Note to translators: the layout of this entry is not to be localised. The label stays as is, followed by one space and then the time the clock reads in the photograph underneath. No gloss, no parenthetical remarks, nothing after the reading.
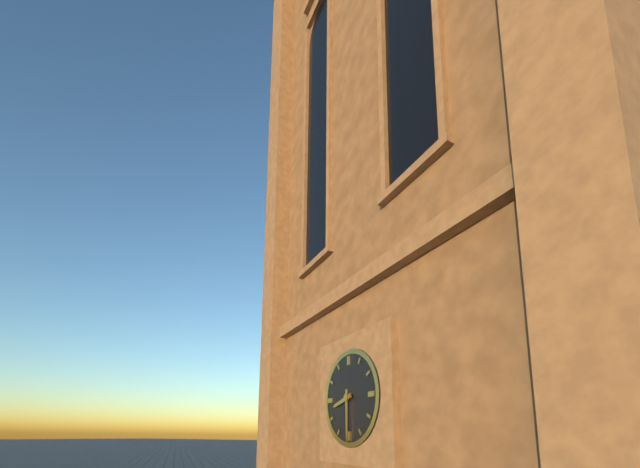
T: 8:30
